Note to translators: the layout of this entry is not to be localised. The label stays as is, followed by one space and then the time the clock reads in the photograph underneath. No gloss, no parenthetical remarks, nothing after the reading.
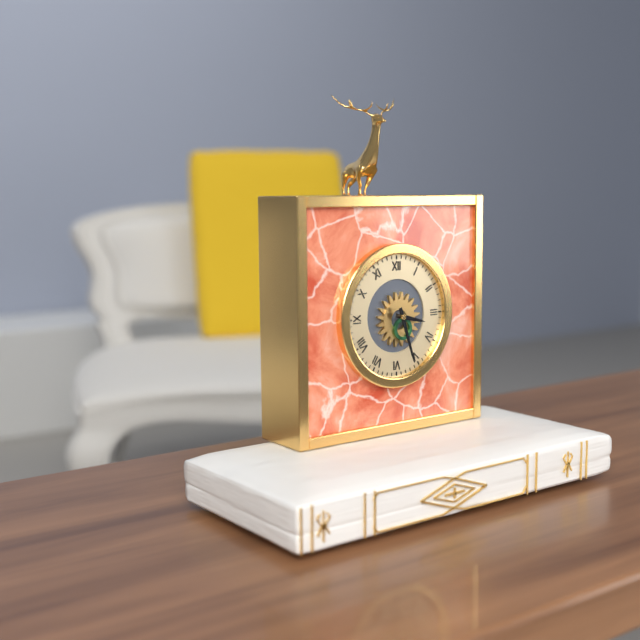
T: 3:27
